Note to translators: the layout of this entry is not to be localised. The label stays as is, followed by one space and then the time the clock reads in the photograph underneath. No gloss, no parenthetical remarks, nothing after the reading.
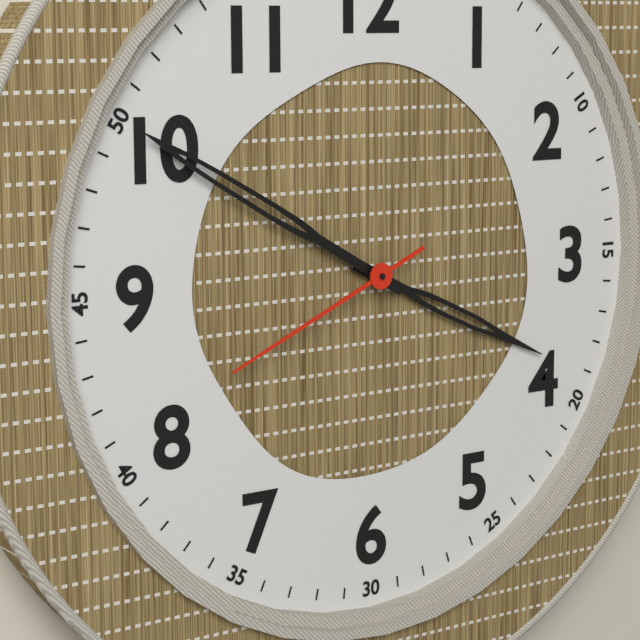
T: 3:50:41
